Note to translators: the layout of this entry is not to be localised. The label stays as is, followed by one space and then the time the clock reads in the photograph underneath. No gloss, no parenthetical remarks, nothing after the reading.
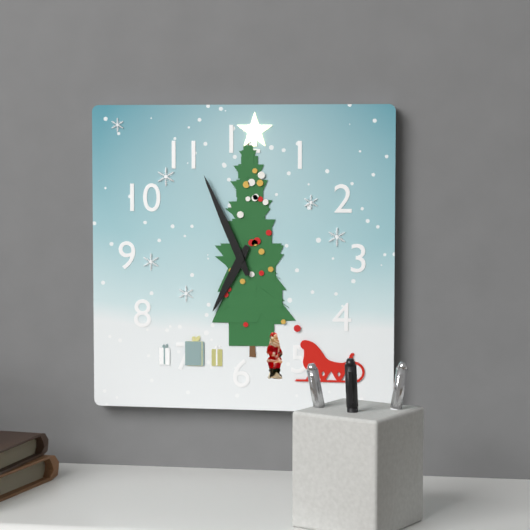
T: 6:56
